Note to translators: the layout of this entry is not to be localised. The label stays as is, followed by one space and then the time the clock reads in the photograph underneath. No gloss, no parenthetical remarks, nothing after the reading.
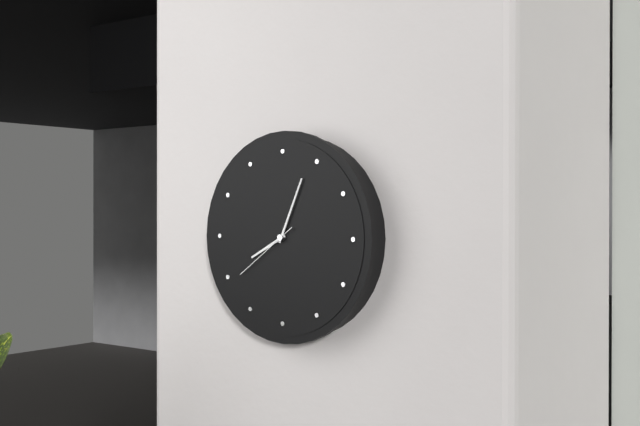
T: 8:04:39
